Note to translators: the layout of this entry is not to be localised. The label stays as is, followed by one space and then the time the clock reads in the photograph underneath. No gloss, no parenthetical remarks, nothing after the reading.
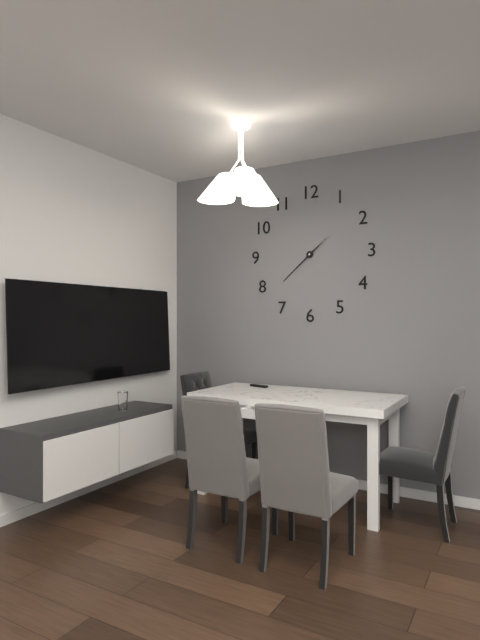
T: 1:38
